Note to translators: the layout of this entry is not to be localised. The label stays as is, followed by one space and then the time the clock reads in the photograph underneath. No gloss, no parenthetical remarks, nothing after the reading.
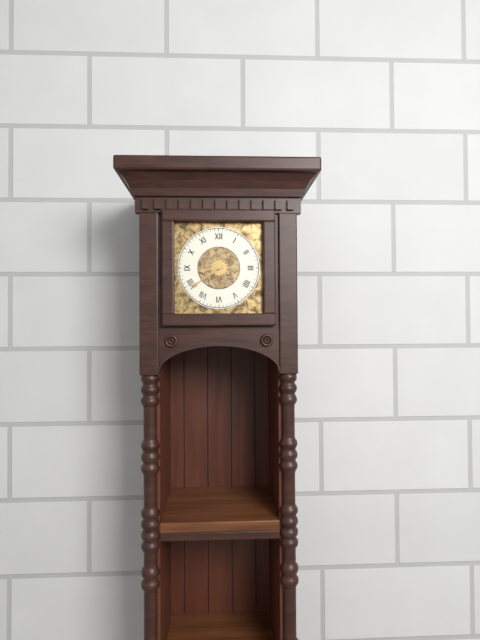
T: 8:39
